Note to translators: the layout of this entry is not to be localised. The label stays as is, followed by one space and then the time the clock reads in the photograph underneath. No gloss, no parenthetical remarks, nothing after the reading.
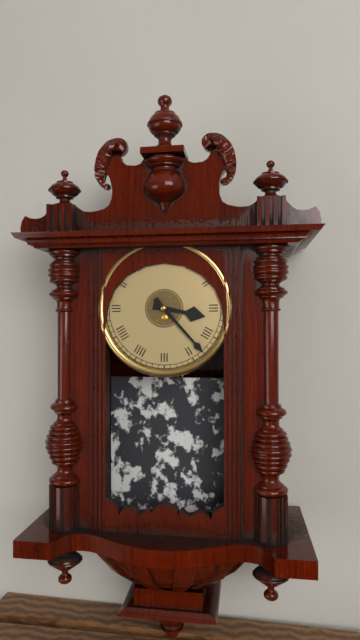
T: 3:23
